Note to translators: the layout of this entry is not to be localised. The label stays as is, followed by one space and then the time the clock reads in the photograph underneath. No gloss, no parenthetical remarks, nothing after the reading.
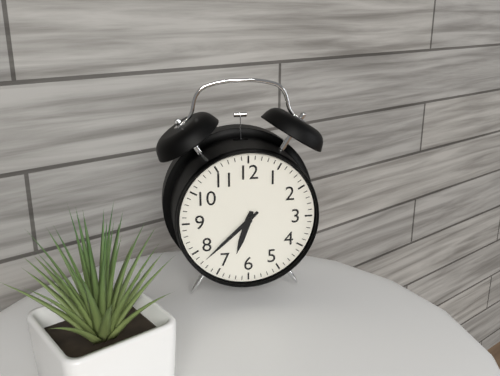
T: 6:38
